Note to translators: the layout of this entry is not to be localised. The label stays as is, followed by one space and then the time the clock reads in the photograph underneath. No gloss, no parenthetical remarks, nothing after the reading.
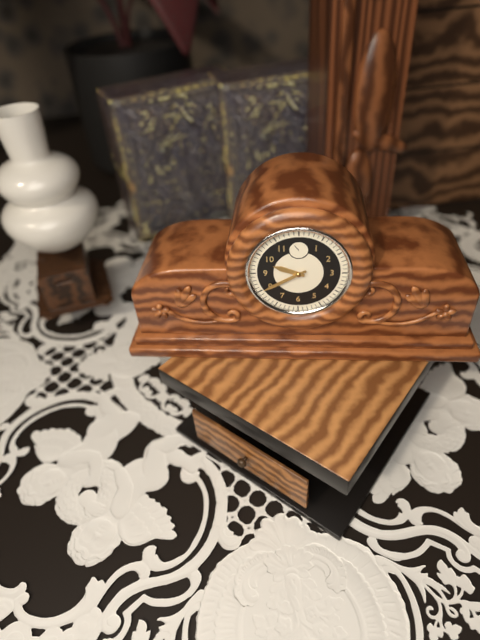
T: 9:40
